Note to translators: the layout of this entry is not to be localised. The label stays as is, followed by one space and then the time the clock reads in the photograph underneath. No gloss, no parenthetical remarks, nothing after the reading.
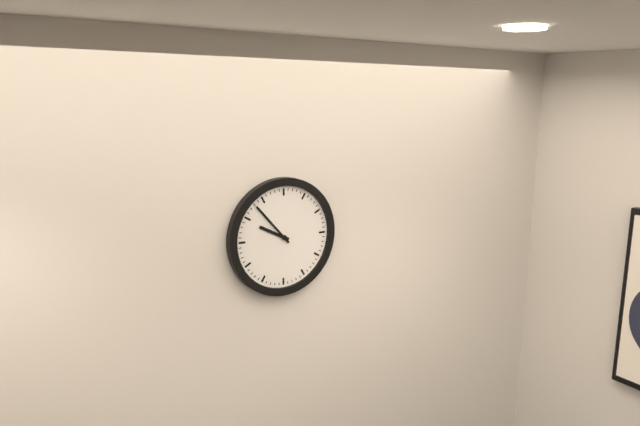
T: 9:53
